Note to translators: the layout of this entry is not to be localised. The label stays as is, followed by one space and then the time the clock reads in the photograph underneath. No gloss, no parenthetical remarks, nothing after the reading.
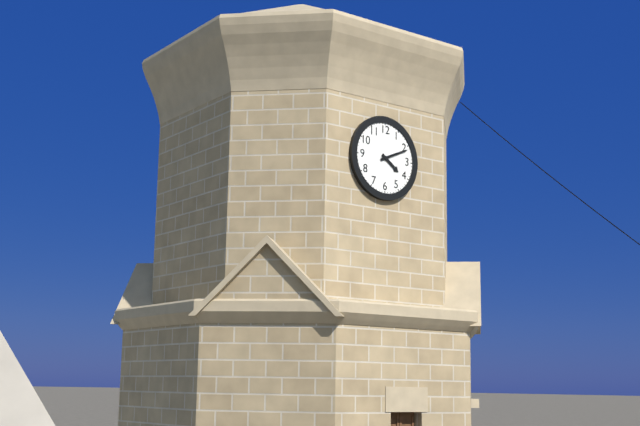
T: 4:11
